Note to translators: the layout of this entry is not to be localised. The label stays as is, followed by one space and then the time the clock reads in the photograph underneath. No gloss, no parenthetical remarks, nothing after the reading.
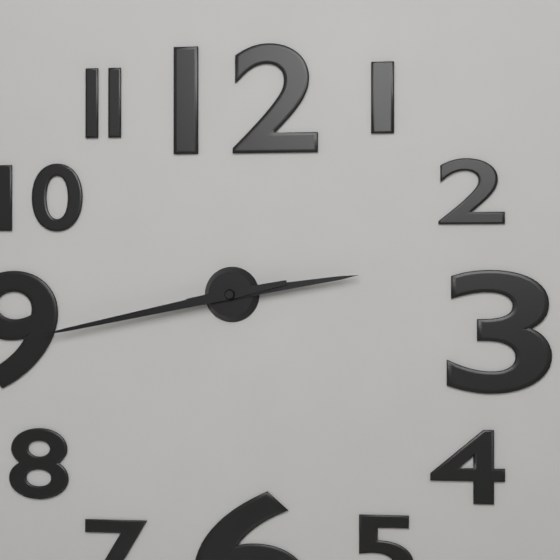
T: 2:43
